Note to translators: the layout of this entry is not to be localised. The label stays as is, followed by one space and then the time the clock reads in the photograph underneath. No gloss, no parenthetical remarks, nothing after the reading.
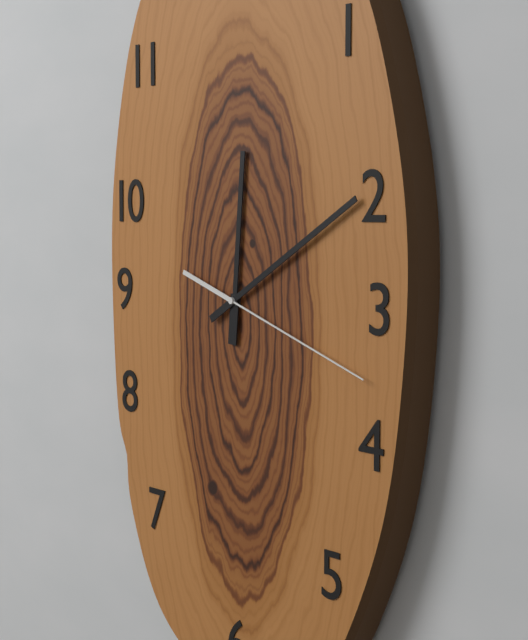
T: 12:10:18
